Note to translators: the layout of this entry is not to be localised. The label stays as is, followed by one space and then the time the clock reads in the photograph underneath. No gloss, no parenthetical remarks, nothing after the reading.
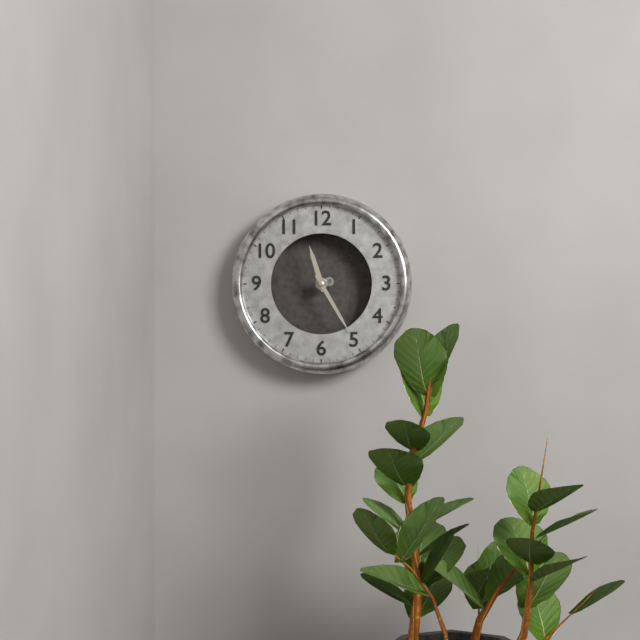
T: 11:25
